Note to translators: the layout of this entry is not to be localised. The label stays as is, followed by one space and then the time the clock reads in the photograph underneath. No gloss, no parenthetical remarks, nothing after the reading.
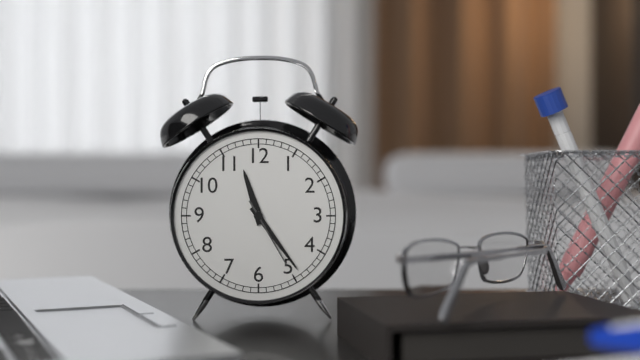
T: 11:24:25
